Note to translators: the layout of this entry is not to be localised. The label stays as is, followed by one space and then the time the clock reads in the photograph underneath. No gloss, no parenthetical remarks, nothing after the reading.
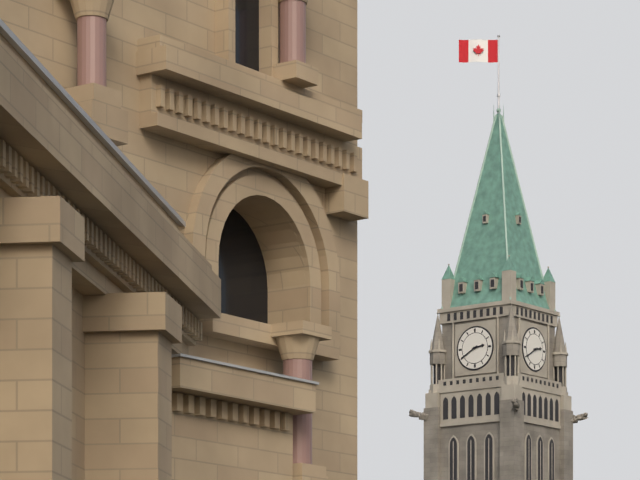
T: 2:40
